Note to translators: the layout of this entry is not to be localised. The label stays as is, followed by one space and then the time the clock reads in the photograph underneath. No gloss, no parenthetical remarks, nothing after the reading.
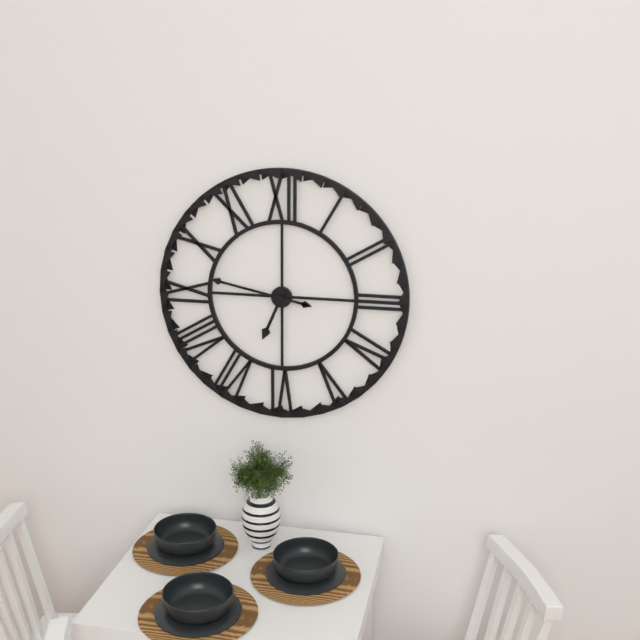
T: 6:47
